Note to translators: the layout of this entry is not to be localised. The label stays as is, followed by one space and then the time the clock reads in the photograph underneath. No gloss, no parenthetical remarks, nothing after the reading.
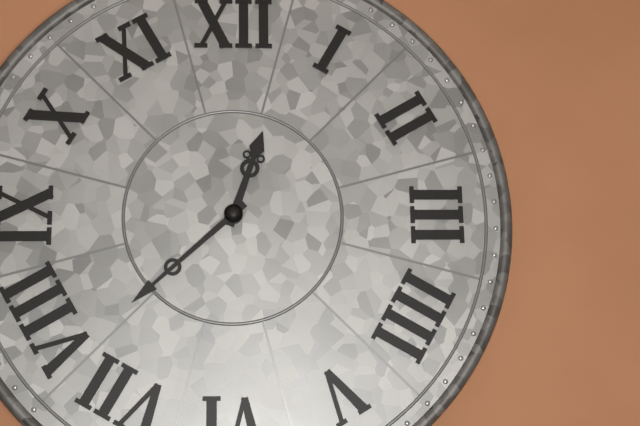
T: 12:38
